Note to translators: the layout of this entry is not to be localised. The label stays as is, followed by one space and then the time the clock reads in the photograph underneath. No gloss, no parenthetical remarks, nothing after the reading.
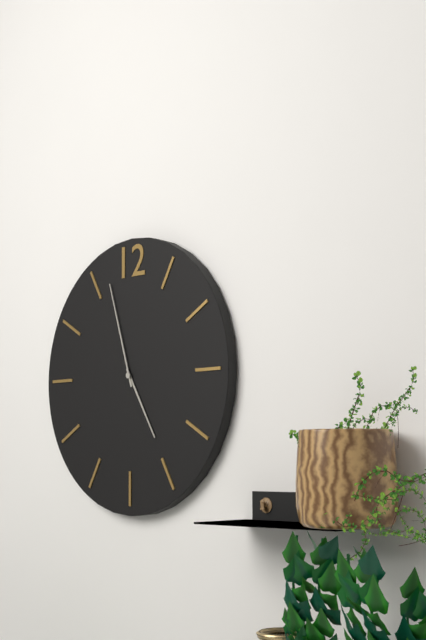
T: 4:57
